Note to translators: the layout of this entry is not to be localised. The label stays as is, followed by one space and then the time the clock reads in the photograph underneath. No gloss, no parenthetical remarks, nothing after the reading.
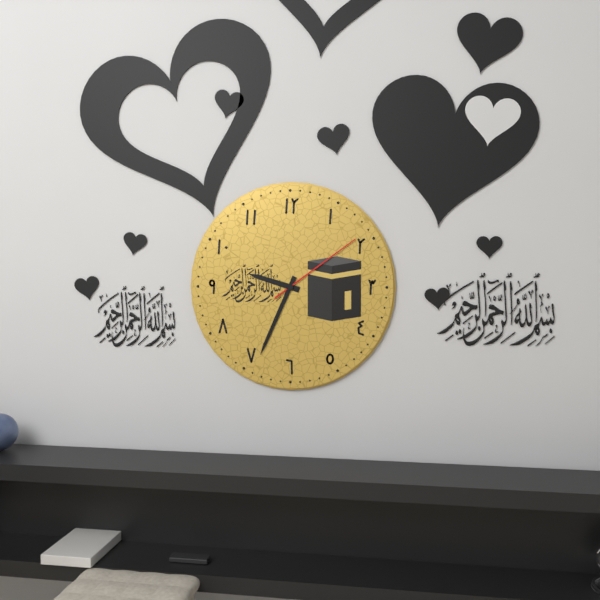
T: 9:34:09
